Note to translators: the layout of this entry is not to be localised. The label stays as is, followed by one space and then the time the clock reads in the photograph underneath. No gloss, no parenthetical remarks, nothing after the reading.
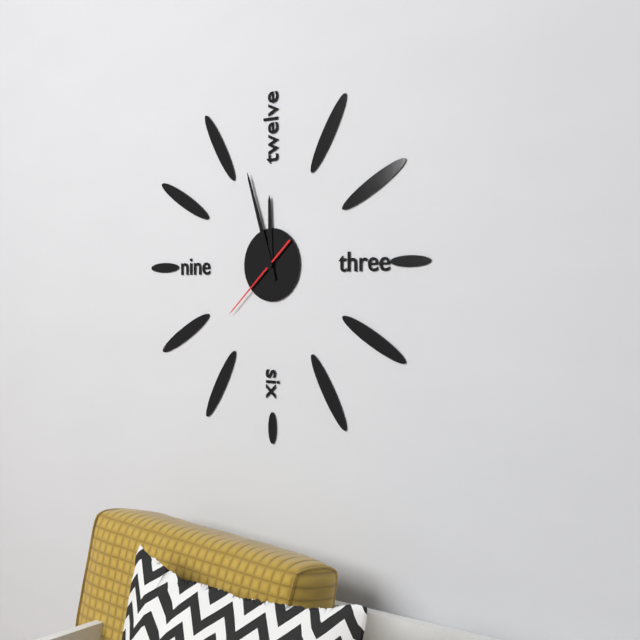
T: 11:57:38
